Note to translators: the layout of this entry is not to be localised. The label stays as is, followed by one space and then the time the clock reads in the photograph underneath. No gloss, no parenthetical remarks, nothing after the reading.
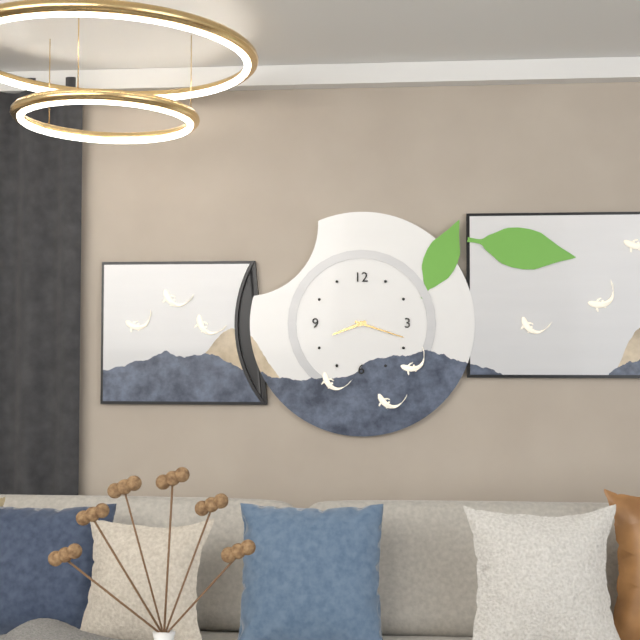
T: 8:18
